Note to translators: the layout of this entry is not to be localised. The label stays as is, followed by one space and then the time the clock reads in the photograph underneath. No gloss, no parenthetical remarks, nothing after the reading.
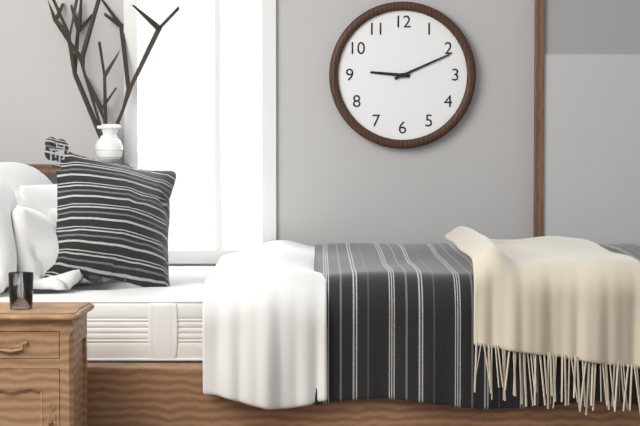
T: 9:11
